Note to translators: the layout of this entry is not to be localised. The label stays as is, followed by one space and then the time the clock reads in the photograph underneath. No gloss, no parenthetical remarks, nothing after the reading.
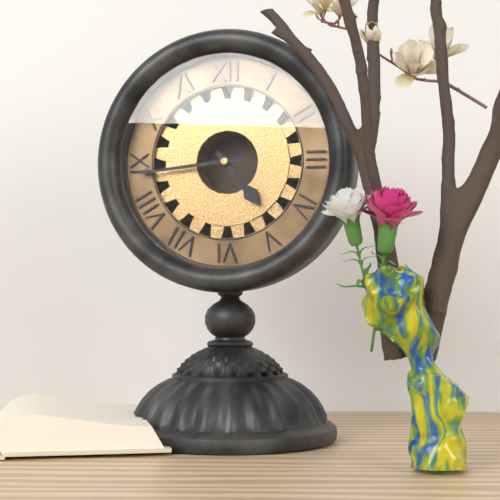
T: 4:44
